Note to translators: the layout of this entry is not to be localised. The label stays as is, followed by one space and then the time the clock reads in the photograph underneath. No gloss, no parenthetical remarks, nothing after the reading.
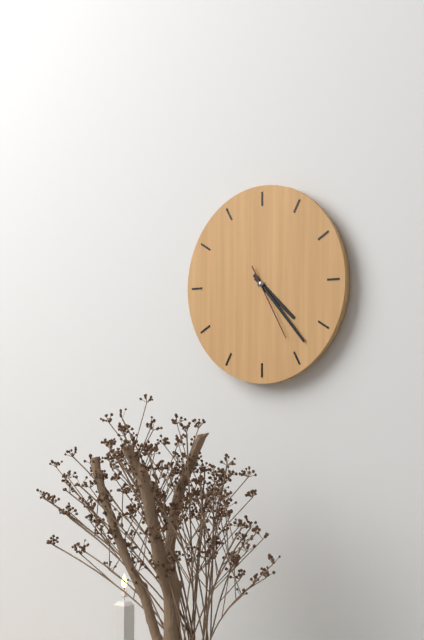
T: 4:23:25
